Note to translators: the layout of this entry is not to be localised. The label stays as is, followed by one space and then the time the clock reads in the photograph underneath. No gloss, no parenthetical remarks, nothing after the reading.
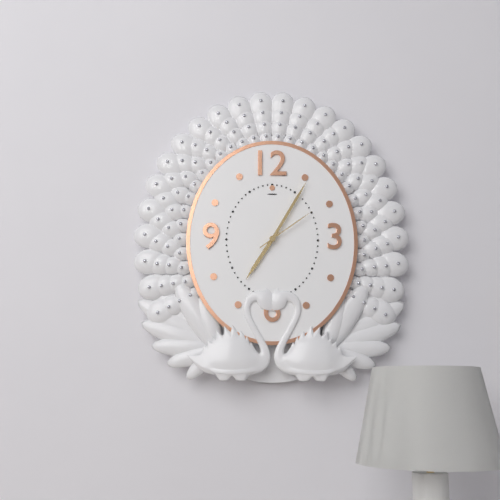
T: 7:05:09
